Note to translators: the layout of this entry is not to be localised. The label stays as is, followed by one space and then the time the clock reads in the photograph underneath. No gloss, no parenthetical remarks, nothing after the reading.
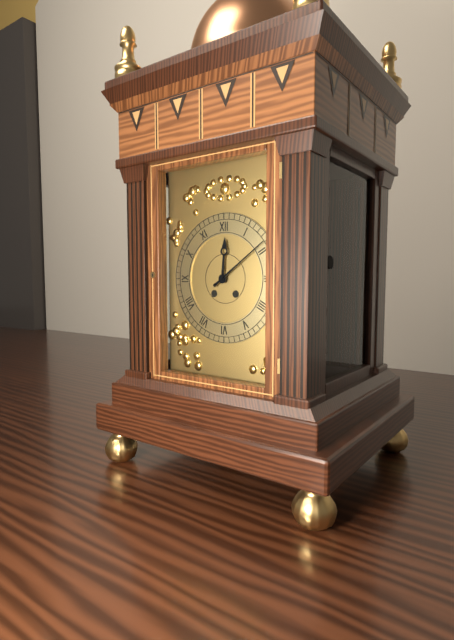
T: 12:09
